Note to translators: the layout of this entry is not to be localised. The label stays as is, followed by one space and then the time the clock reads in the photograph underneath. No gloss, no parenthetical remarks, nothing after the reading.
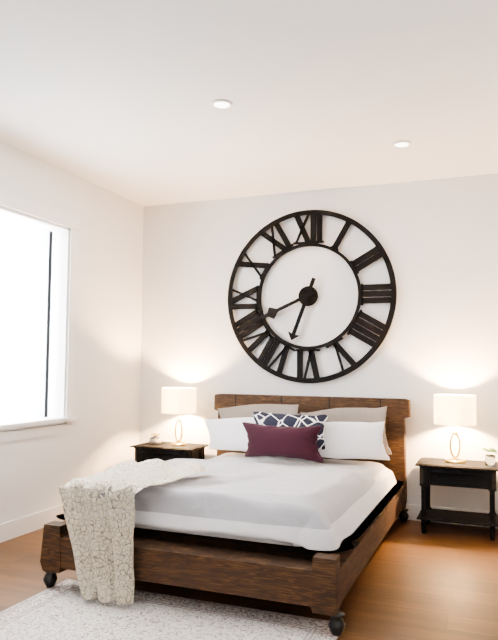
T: 6:41
